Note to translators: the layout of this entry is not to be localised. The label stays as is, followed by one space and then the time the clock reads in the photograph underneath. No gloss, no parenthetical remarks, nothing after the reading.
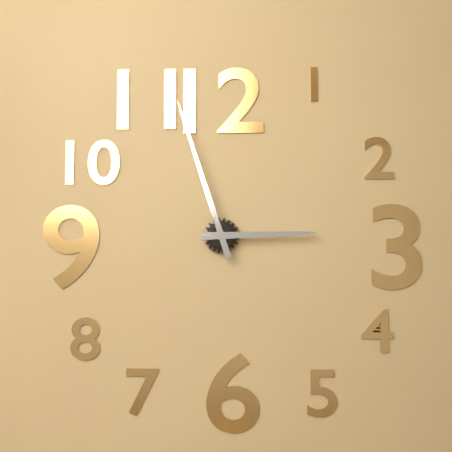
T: 2:57
